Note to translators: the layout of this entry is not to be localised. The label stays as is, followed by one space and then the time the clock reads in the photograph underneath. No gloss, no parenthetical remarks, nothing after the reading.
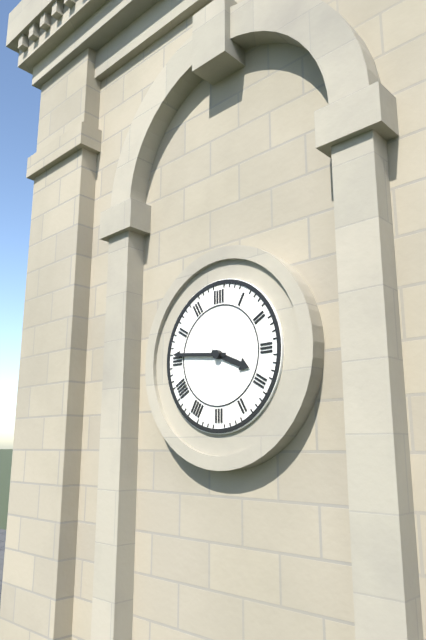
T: 3:46
